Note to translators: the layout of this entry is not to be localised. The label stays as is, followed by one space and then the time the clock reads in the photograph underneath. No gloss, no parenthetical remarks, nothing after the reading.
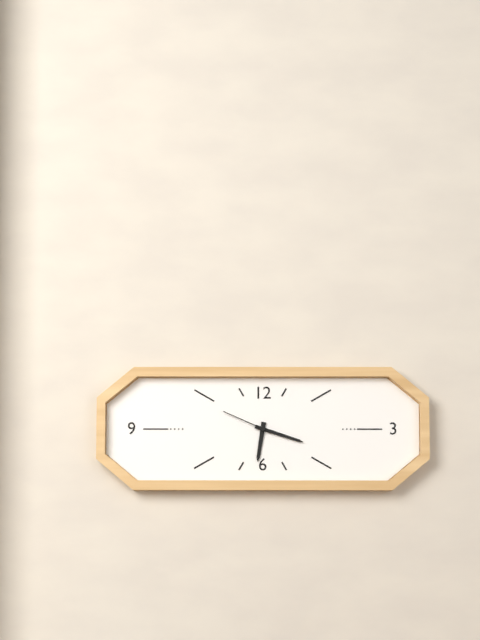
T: 6:18:49
